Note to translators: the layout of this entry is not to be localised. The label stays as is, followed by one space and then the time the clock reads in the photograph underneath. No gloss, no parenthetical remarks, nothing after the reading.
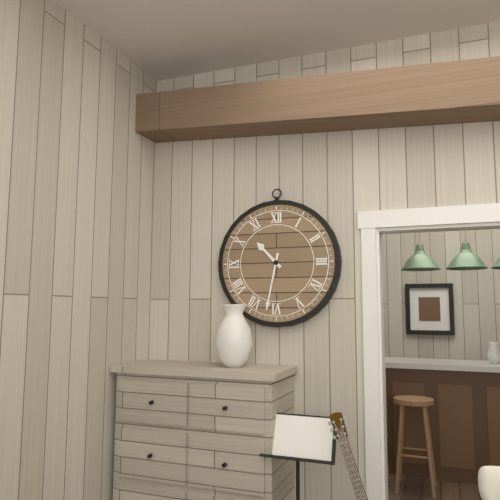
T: 10:32
